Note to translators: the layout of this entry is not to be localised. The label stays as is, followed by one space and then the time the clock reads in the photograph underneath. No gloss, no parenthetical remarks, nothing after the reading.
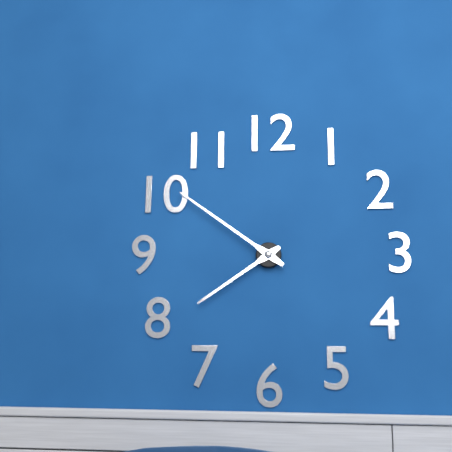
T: 7:51
